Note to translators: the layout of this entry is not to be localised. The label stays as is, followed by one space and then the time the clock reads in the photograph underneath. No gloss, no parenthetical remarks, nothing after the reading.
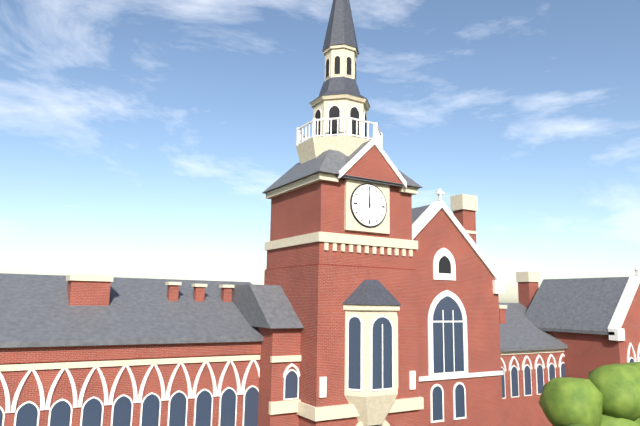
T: 12:00
